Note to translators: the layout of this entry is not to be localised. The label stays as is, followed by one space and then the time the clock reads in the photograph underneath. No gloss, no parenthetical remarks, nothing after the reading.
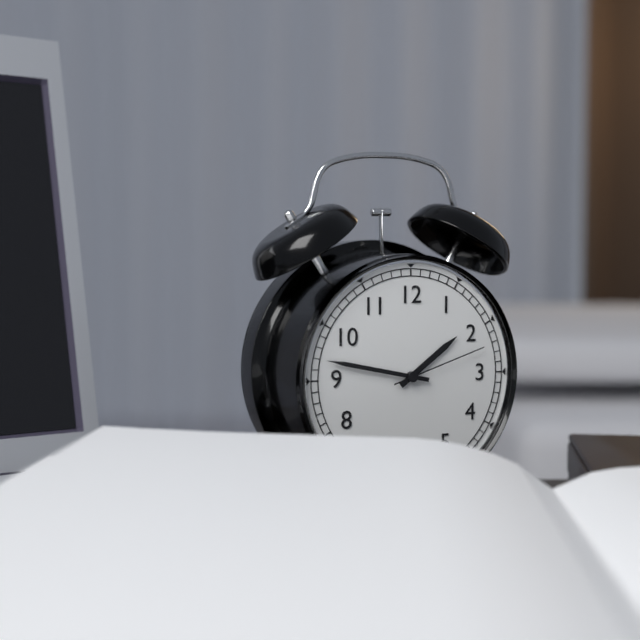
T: 1:47:12
